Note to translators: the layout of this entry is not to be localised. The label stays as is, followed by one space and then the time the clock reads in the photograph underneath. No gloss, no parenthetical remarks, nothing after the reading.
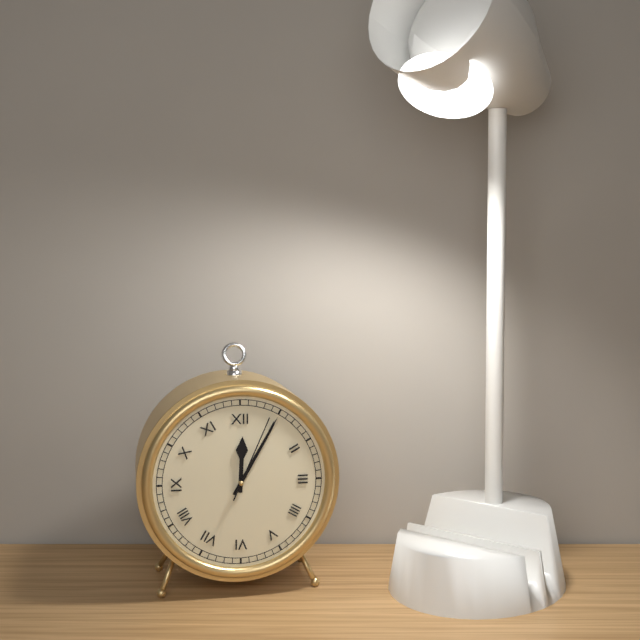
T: 12:05:04
